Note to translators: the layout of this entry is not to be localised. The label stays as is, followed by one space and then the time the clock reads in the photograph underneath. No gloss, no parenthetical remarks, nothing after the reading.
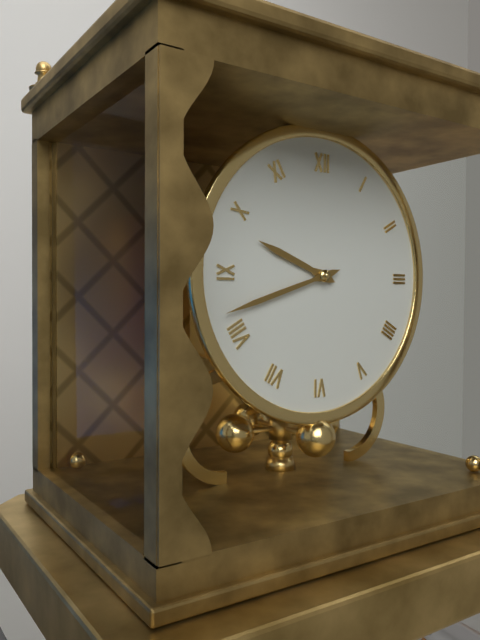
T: 9:42
